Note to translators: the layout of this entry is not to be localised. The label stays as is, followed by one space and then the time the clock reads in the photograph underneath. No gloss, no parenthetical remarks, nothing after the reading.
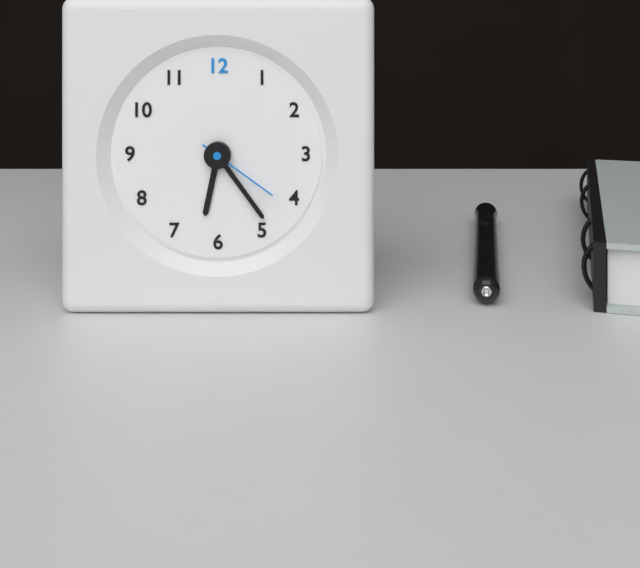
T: 6:24:21
